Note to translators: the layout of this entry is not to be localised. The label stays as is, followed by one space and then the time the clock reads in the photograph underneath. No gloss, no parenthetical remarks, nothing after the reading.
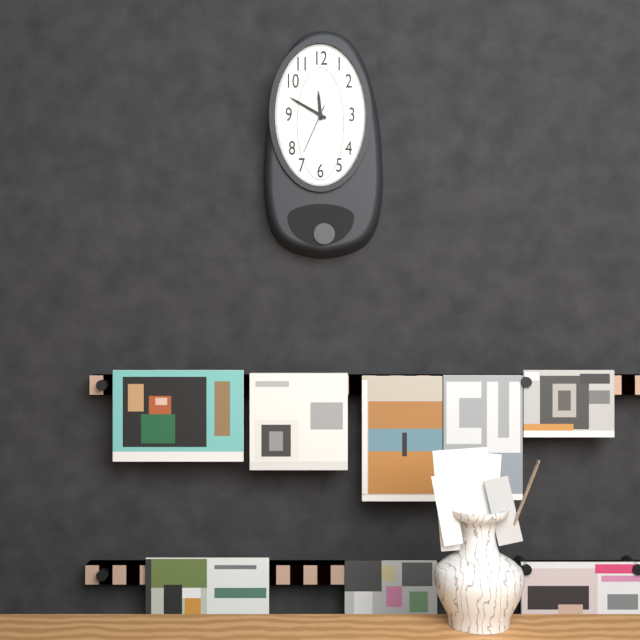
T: 11:50:34
